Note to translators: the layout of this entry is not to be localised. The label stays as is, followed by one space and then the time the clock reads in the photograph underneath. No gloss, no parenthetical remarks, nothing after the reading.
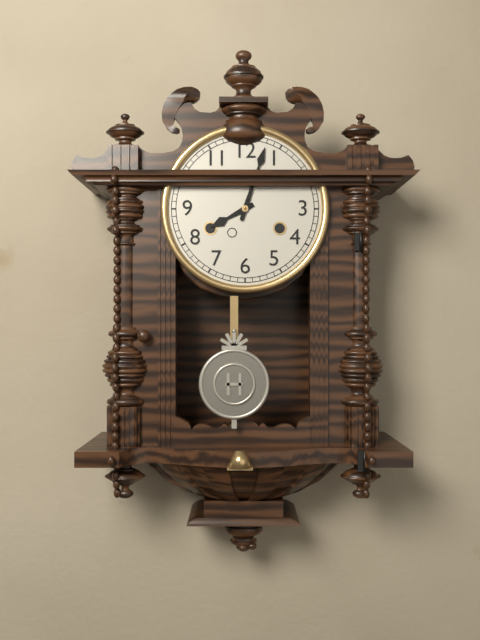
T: 8:03
